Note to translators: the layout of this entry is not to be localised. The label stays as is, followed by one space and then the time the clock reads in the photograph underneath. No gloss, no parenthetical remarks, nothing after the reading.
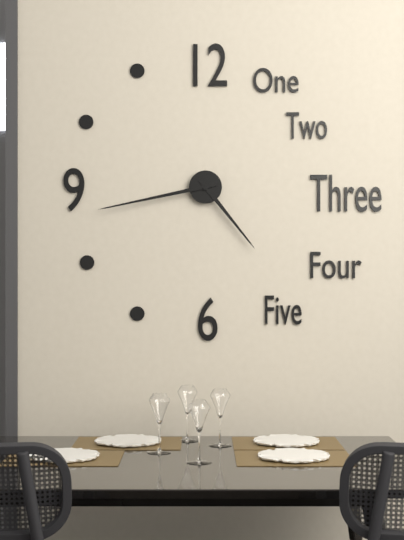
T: 4:43
